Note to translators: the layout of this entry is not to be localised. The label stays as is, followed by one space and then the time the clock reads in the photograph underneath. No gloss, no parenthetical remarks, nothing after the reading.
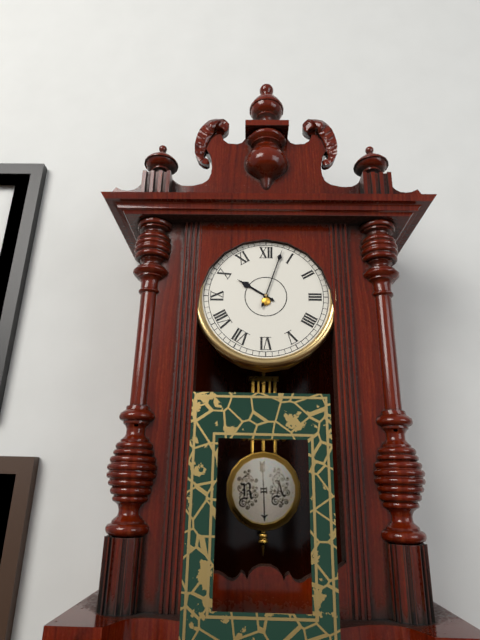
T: 10:03
